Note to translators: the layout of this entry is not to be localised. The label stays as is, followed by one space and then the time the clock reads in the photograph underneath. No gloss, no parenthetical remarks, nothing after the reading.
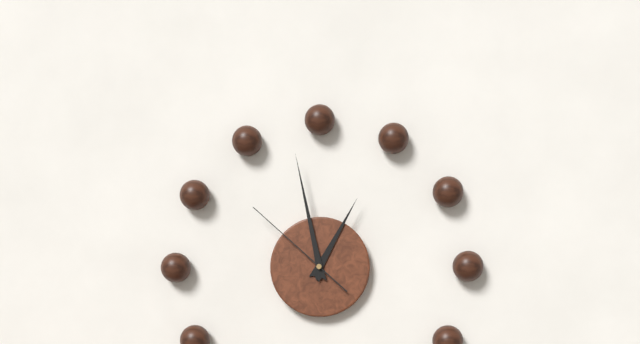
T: 12:58:52
